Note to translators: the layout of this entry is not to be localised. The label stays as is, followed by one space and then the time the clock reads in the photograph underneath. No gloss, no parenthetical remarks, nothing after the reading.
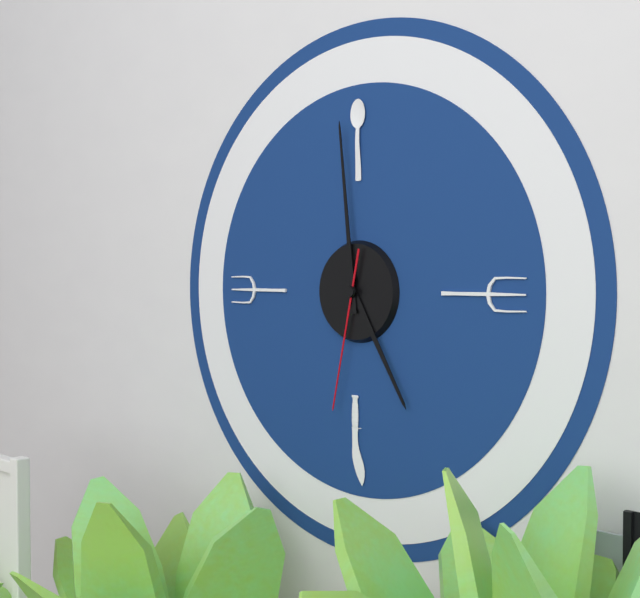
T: 4:59:32
